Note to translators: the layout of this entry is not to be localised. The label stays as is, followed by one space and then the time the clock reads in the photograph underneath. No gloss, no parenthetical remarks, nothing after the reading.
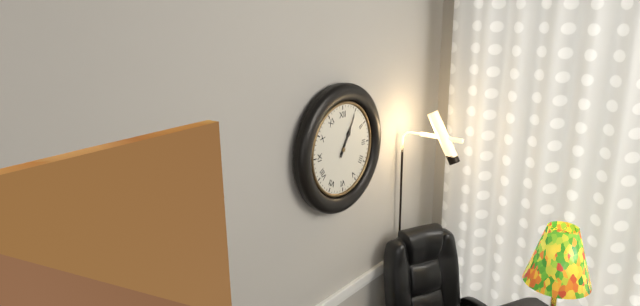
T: 1:05
